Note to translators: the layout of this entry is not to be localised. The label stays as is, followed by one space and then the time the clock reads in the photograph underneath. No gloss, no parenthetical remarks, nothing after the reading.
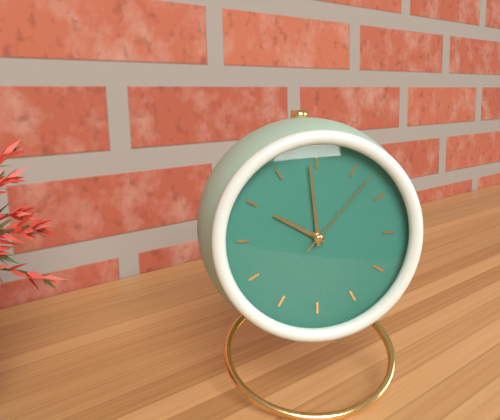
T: 9:59:07
